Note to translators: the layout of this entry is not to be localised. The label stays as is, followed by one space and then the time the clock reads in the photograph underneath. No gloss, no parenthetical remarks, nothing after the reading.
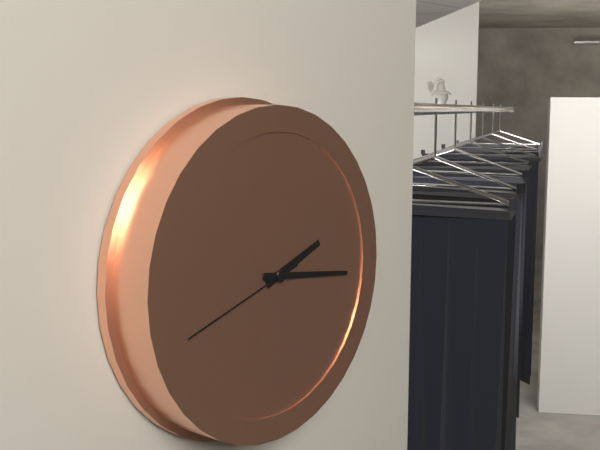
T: 2:16:42
